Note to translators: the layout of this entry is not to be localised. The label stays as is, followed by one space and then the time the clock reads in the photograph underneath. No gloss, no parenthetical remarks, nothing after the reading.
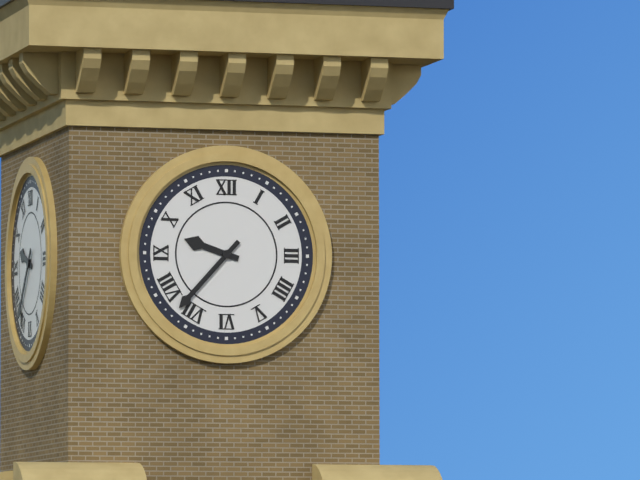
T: 9:37
